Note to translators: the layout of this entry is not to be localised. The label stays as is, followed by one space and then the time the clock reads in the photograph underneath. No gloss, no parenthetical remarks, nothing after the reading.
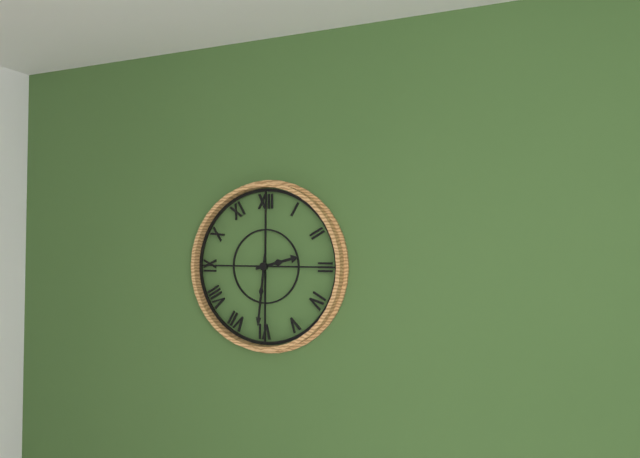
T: 2:31
